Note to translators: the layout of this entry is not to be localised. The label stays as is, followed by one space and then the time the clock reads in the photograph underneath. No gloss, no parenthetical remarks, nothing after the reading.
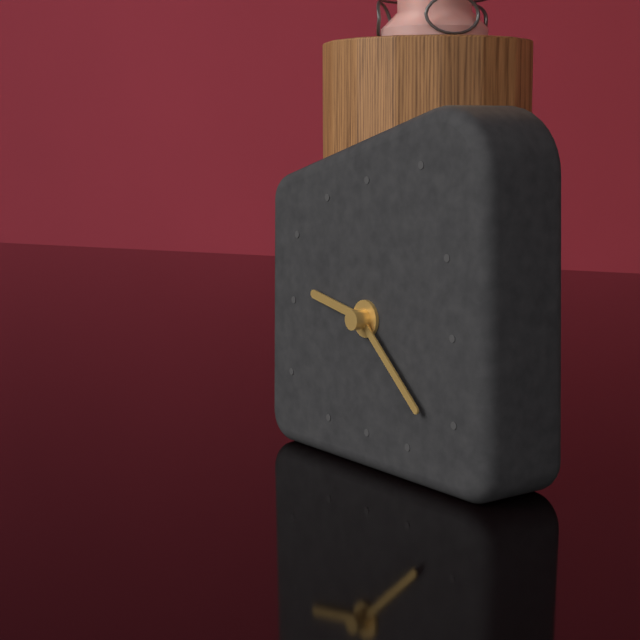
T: 9:22
